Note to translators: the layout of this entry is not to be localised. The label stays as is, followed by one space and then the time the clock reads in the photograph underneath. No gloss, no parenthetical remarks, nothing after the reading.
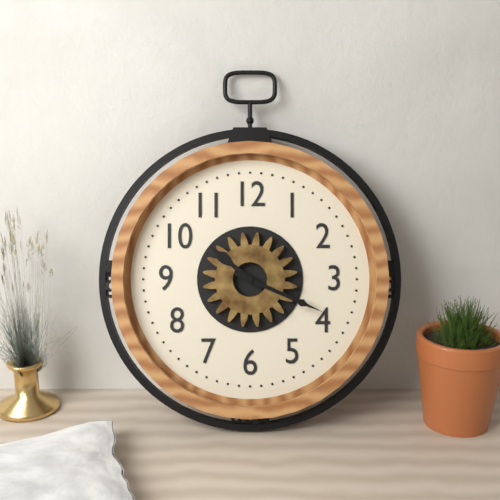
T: 10:19
